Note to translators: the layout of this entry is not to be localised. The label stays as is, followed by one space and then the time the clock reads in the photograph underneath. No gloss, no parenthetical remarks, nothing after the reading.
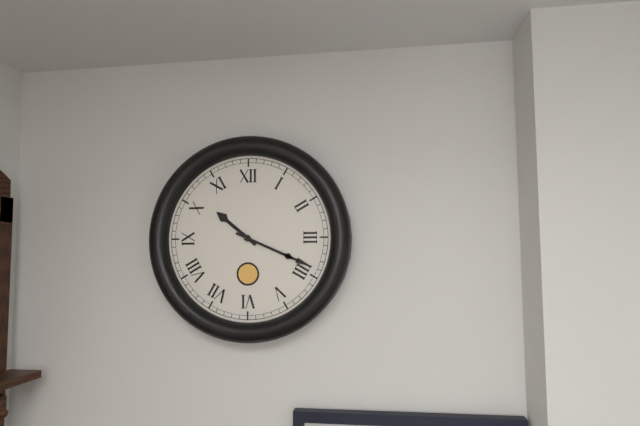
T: 10:19
